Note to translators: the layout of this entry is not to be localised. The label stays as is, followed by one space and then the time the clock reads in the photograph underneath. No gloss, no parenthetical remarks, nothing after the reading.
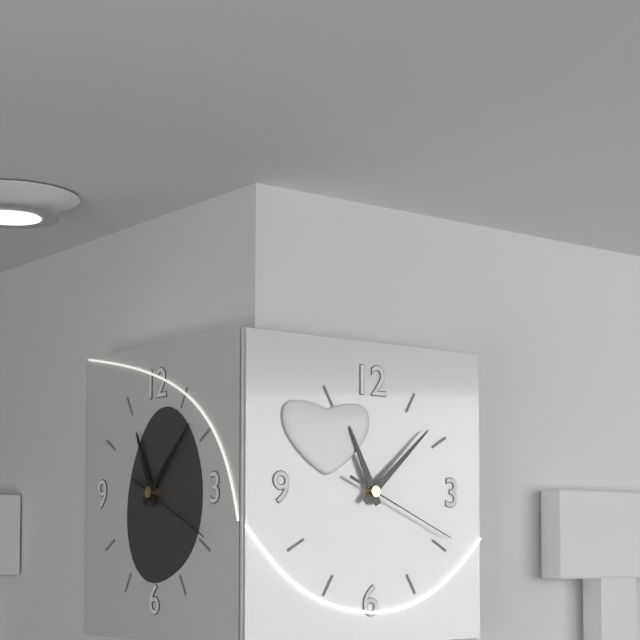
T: 11:08:19
